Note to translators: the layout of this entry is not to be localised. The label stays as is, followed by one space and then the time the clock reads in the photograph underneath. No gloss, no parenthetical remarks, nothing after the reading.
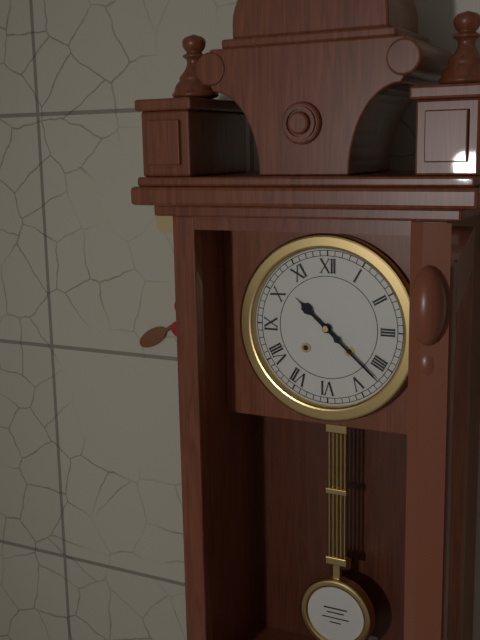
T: 10:22
